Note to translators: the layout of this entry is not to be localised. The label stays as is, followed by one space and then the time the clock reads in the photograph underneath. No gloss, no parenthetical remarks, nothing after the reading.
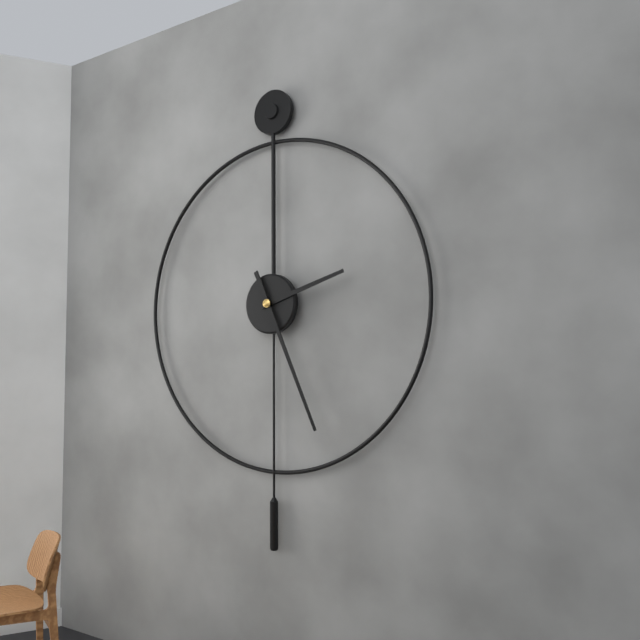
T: 2:26
